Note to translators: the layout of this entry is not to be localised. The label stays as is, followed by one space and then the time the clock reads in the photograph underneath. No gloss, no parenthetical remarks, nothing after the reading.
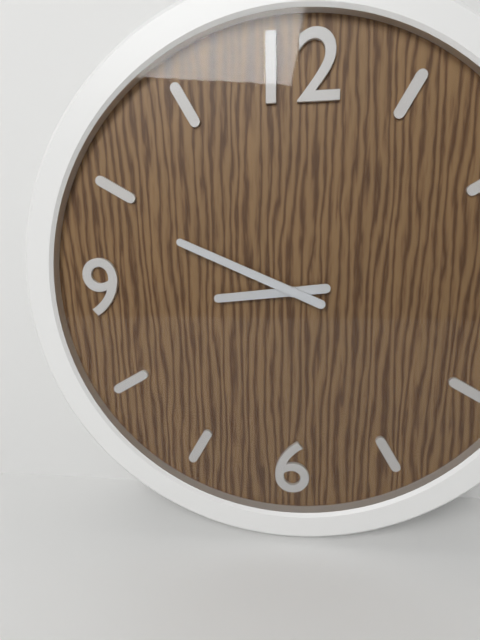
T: 8:49
